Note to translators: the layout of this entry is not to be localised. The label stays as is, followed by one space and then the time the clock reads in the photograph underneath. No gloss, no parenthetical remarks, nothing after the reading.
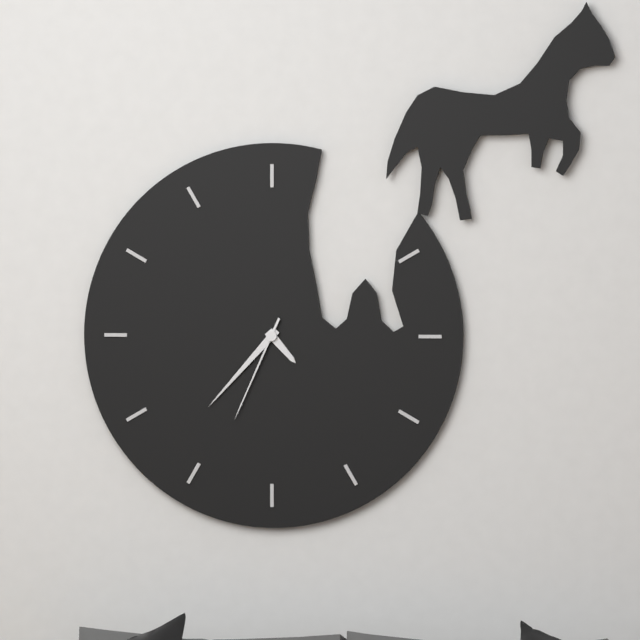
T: 4:37:34
